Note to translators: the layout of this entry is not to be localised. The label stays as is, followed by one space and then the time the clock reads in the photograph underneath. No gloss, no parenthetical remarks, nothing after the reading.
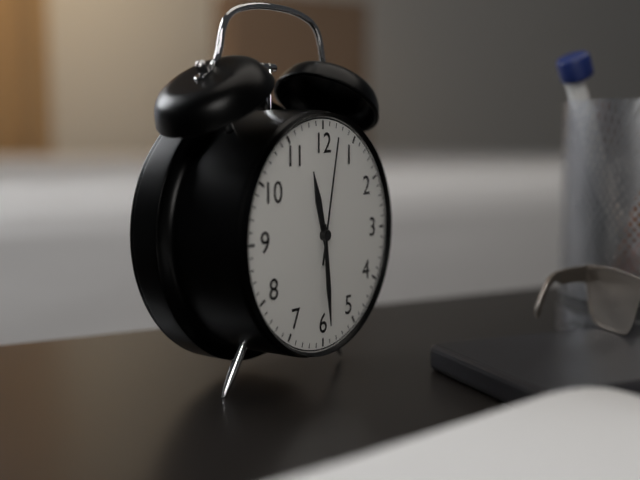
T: 11:29:02
